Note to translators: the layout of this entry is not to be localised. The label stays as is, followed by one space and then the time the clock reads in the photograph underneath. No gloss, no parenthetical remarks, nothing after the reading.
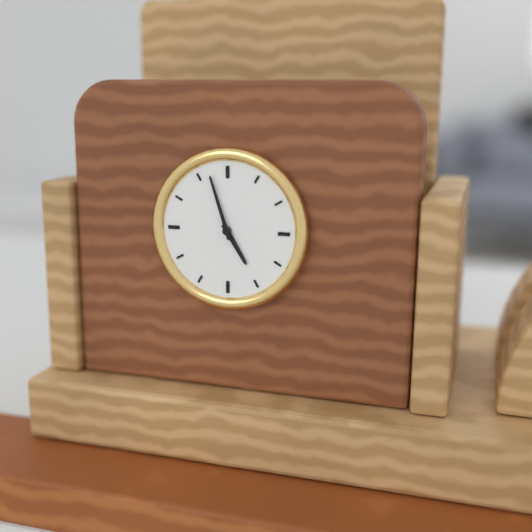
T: 4:57
